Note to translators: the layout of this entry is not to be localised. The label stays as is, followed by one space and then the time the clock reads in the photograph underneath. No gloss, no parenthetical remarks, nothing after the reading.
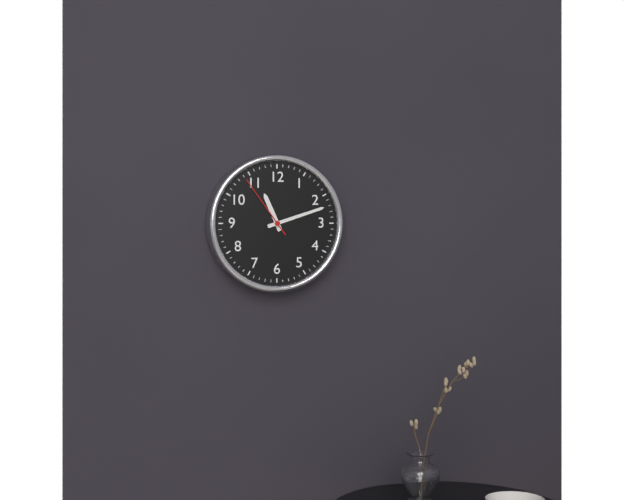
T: 11:12:54
